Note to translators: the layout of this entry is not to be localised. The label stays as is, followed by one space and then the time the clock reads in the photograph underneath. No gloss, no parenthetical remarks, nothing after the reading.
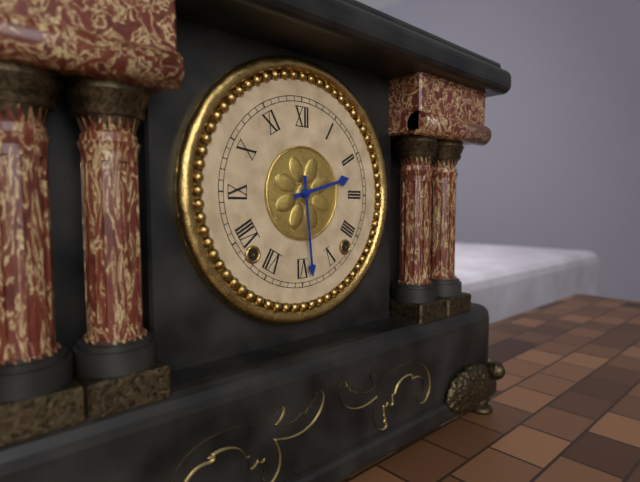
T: 2:29
